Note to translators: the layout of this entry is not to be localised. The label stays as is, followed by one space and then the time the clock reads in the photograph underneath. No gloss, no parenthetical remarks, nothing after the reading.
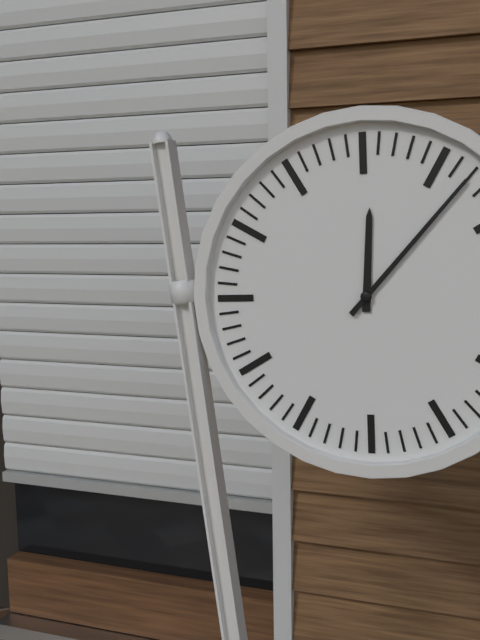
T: 12:07
